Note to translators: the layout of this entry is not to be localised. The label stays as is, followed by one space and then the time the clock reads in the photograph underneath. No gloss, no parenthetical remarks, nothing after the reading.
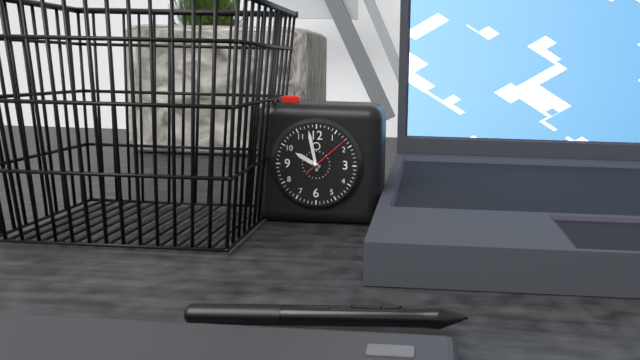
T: 9:58
